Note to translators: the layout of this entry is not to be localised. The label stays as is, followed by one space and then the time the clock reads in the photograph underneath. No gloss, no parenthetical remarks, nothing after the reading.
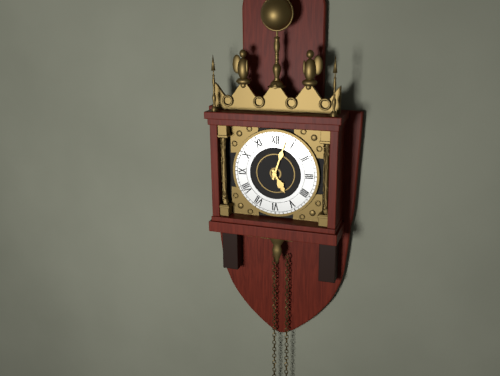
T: 5:03
